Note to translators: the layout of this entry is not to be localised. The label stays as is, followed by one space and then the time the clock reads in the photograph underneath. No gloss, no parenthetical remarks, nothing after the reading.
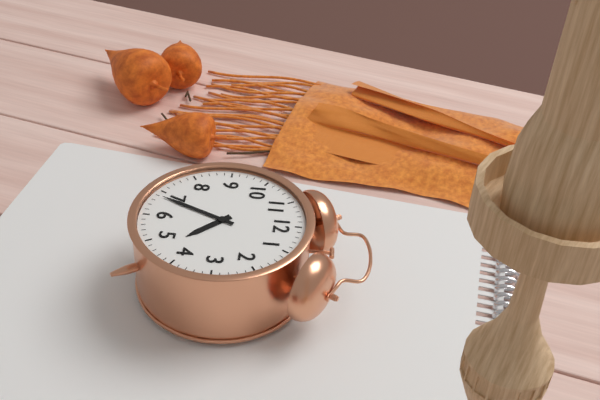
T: 4:34
